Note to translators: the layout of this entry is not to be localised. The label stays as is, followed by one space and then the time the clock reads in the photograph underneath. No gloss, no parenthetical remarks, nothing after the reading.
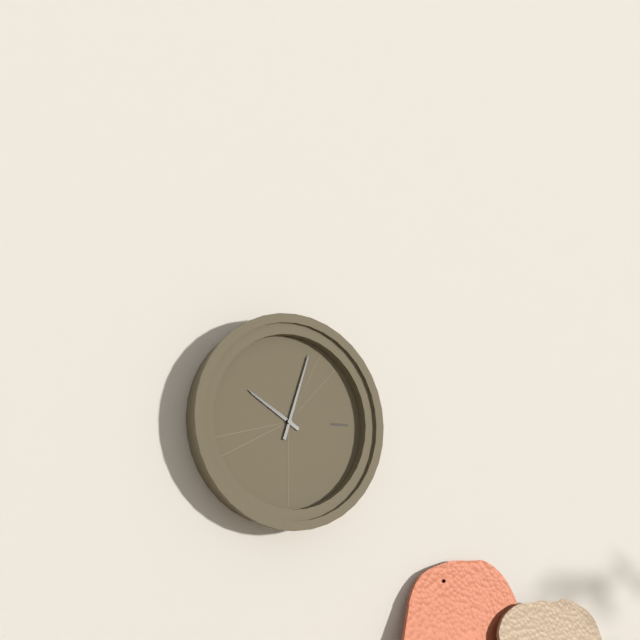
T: 10:03
